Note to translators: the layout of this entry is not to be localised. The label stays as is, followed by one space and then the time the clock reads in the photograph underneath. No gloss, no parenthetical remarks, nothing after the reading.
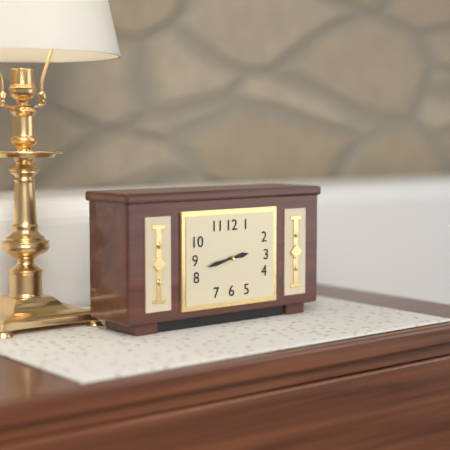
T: 2:43
